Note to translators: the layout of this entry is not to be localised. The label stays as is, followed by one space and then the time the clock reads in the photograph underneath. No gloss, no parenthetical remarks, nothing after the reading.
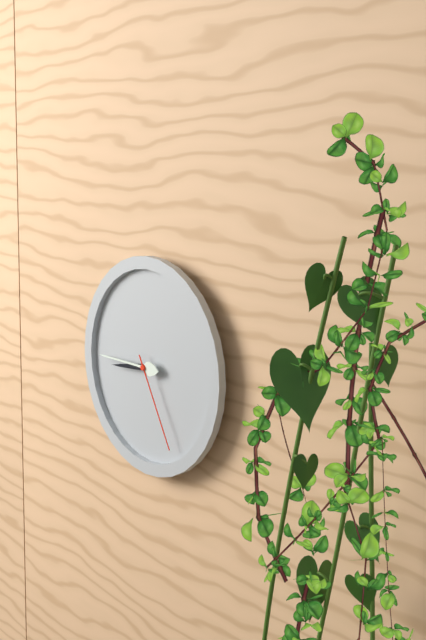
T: 8:45:25
